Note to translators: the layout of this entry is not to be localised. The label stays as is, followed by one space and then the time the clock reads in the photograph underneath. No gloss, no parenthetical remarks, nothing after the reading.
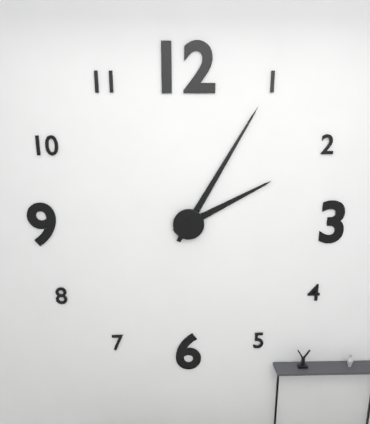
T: 2:05
